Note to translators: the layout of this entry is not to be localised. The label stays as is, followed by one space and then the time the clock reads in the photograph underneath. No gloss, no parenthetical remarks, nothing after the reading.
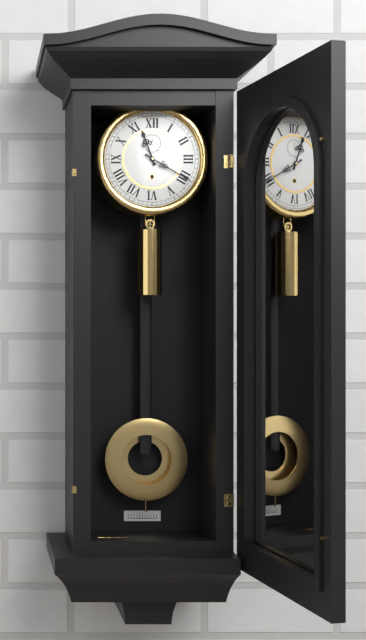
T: 11:20
